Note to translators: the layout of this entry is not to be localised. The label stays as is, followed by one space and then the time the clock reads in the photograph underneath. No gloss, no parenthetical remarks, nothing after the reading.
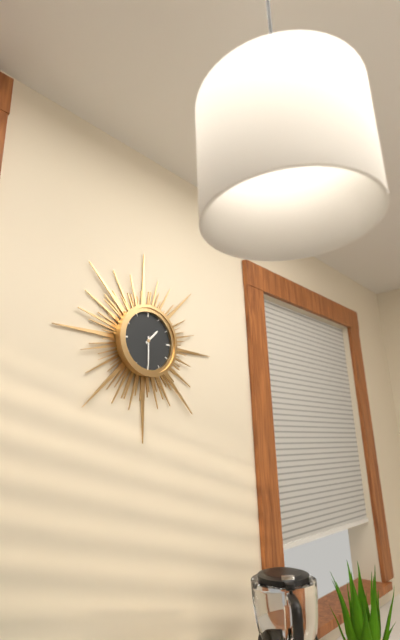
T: 1:30
